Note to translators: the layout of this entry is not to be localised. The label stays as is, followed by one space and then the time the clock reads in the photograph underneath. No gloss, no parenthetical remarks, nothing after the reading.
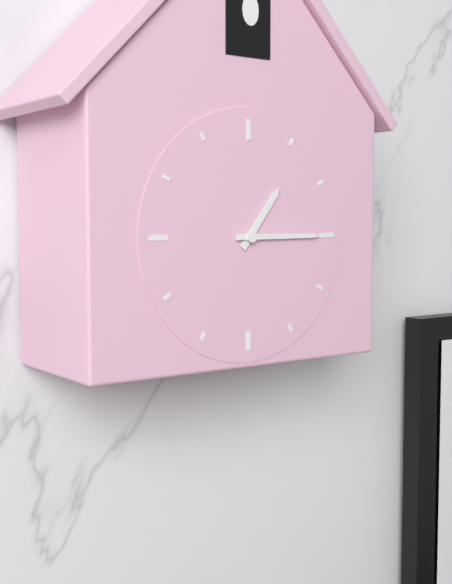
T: 1:15
